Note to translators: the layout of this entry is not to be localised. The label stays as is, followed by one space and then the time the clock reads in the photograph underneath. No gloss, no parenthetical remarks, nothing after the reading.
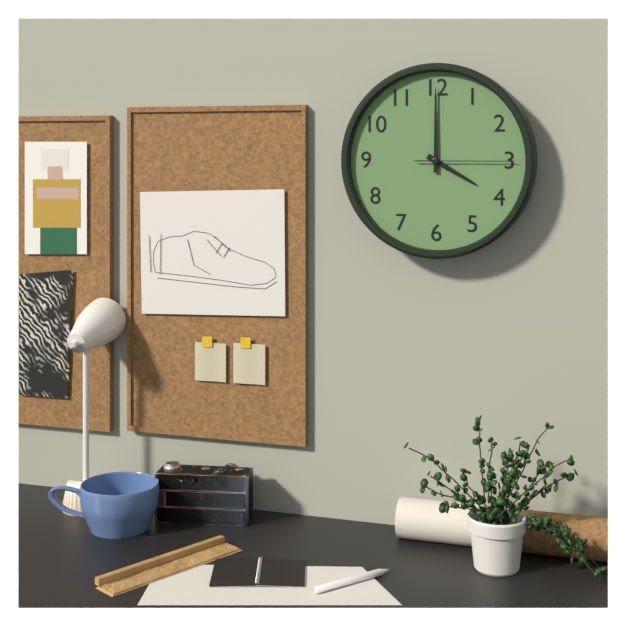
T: 4:00:15
